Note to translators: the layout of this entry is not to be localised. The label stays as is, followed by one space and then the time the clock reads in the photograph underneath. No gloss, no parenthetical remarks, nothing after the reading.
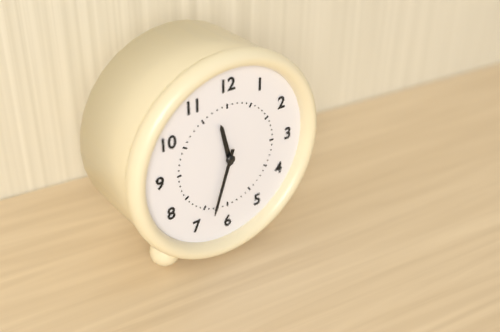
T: 11:33
